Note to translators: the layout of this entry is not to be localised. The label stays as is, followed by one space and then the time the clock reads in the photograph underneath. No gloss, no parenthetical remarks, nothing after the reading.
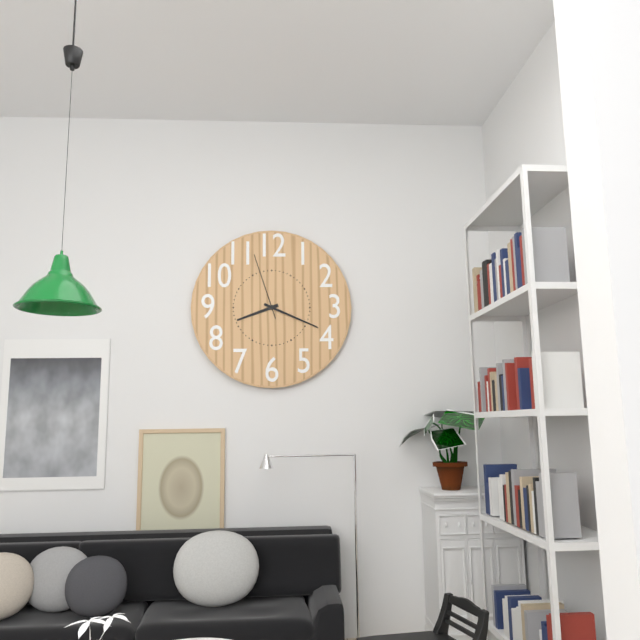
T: 8:19:57
